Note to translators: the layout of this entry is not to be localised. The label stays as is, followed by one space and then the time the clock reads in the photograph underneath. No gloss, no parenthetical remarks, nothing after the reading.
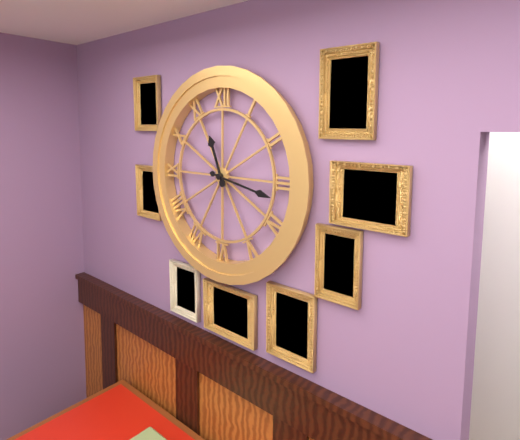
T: 11:17
